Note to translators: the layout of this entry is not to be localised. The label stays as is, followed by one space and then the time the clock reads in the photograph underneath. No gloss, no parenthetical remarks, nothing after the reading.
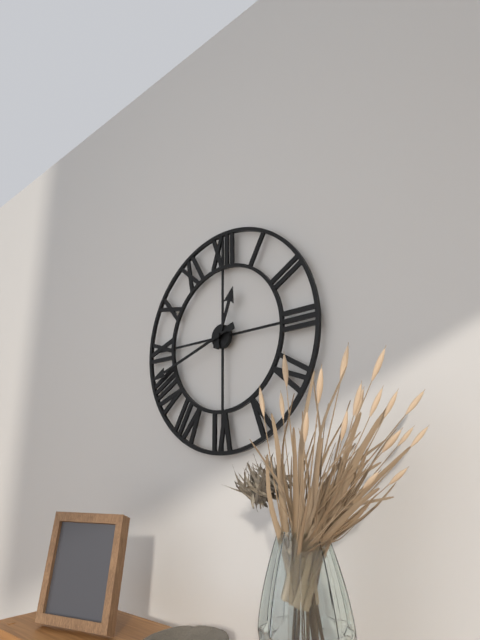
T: 12:42
